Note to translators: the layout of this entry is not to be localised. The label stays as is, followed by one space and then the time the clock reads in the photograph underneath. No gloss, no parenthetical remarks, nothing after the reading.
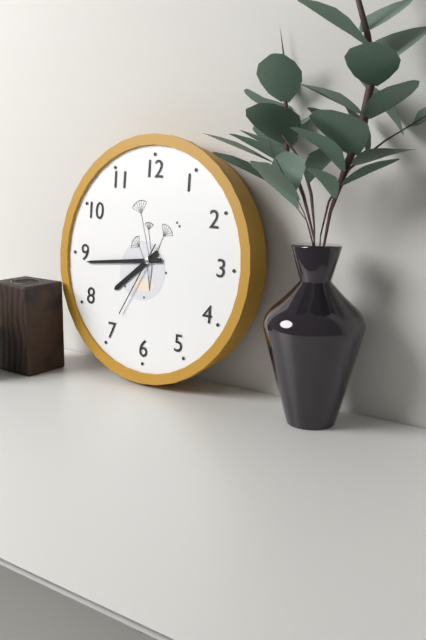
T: 7:44:35
